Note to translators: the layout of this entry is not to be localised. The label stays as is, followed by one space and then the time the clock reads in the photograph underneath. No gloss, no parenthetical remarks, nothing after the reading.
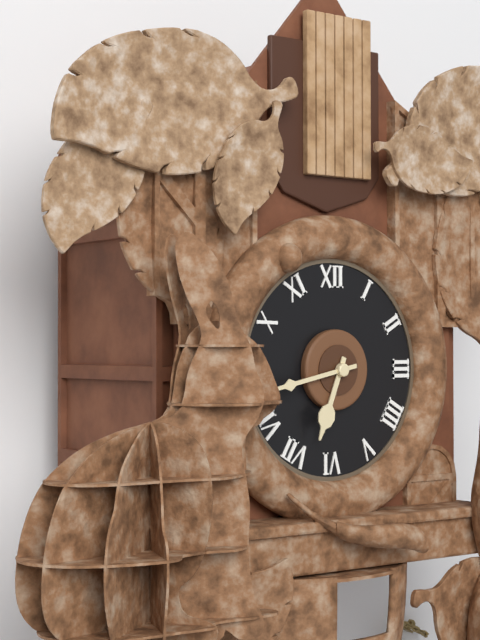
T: 6:43
